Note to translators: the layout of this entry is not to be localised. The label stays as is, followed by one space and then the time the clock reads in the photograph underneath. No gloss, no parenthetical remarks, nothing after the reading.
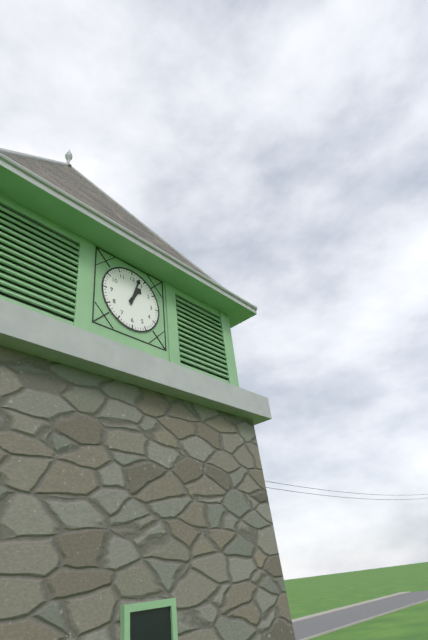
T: 1:03
